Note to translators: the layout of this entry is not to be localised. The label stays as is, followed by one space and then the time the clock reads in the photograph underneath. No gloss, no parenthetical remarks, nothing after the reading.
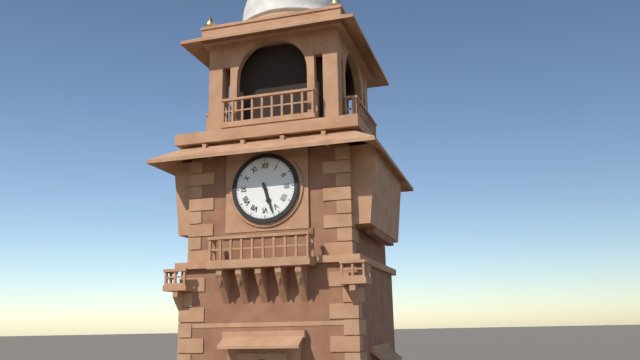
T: 5:27
